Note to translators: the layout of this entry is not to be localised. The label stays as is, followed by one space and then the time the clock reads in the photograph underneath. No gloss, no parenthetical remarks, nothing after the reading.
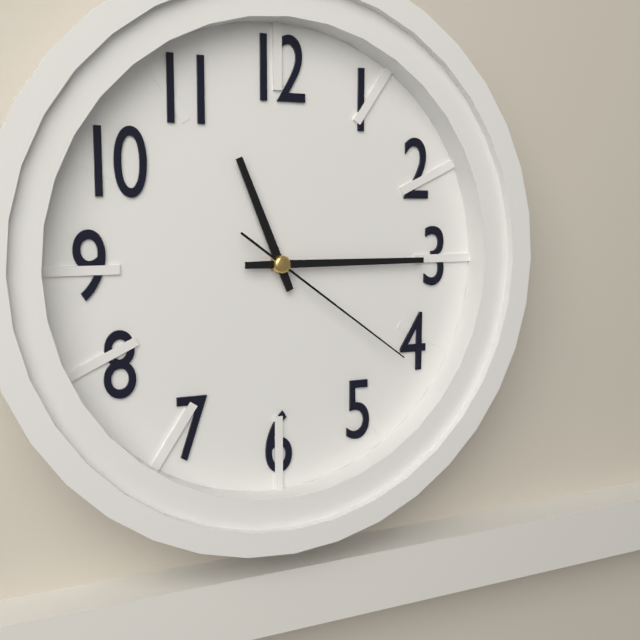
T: 11:15:21
